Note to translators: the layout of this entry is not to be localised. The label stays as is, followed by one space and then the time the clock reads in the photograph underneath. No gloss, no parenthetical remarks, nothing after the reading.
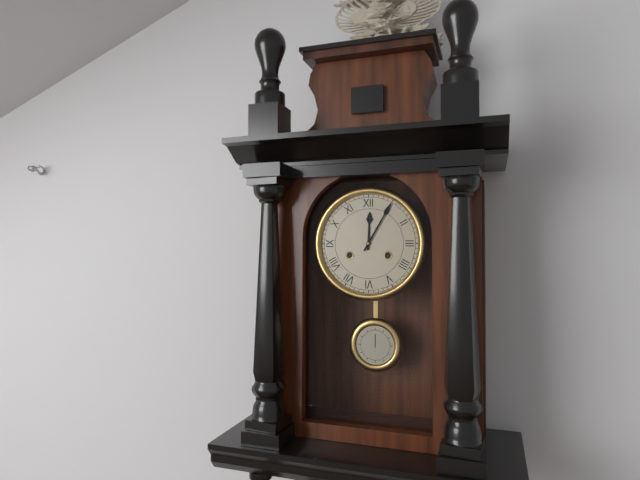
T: 12:05
